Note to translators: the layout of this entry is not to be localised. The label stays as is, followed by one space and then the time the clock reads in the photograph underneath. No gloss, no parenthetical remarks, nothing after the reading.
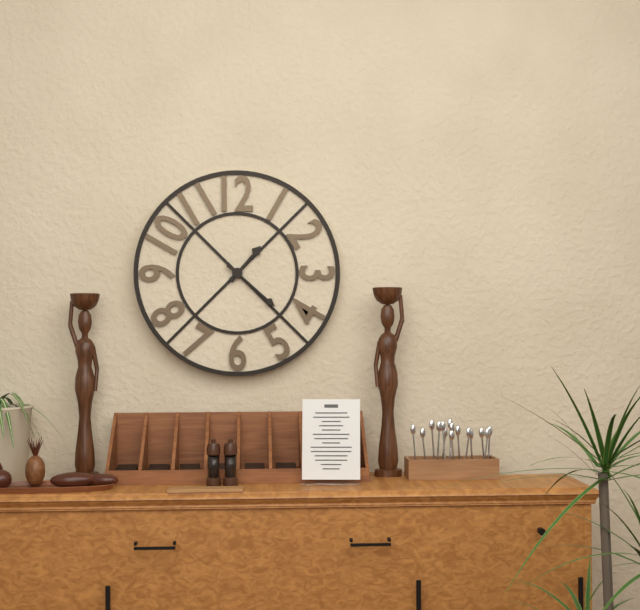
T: 1:22
